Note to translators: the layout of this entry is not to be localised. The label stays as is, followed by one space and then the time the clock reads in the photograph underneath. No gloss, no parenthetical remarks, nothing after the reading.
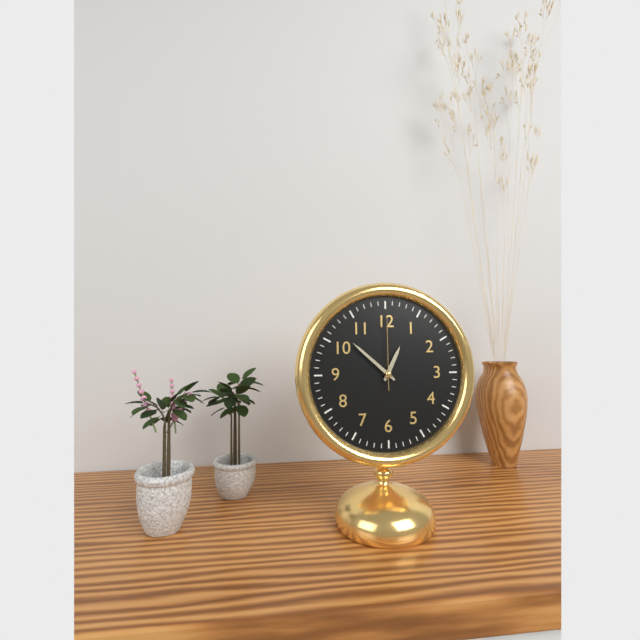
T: 12:52:00
